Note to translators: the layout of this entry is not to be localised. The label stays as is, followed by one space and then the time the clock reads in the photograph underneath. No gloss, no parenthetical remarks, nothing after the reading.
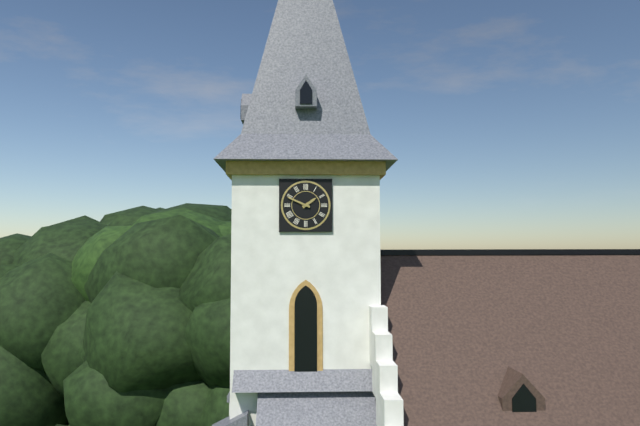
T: 1:49
